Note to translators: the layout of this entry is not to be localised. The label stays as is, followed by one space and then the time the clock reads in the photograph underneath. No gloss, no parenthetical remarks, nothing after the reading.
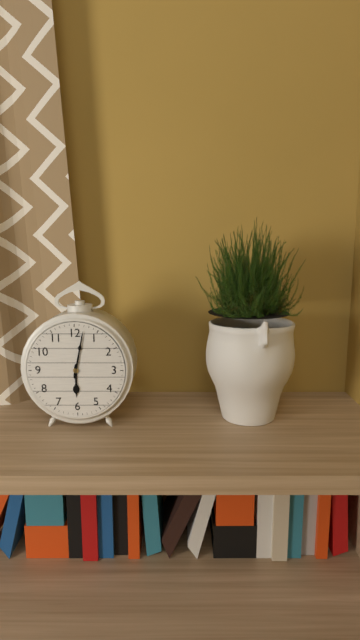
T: 6:02
